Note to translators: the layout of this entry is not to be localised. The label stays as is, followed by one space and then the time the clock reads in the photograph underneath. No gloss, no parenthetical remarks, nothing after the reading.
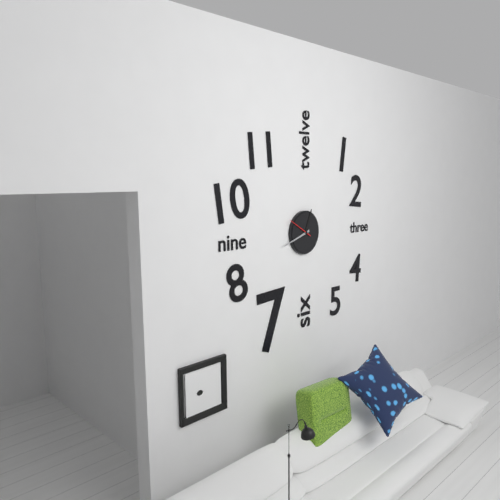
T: 12:42
